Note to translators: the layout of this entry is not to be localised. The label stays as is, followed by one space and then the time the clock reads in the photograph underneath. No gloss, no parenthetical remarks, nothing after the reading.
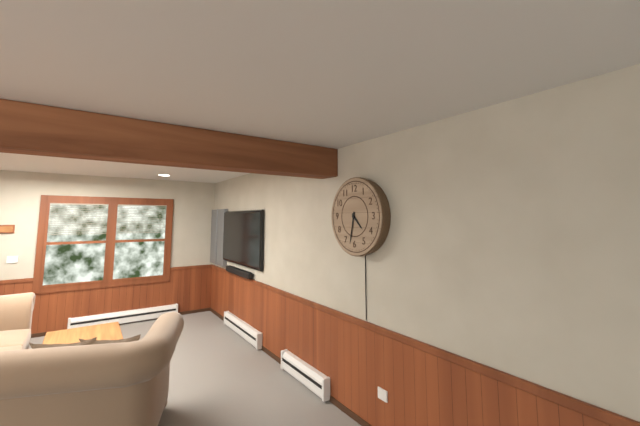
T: 4:32
